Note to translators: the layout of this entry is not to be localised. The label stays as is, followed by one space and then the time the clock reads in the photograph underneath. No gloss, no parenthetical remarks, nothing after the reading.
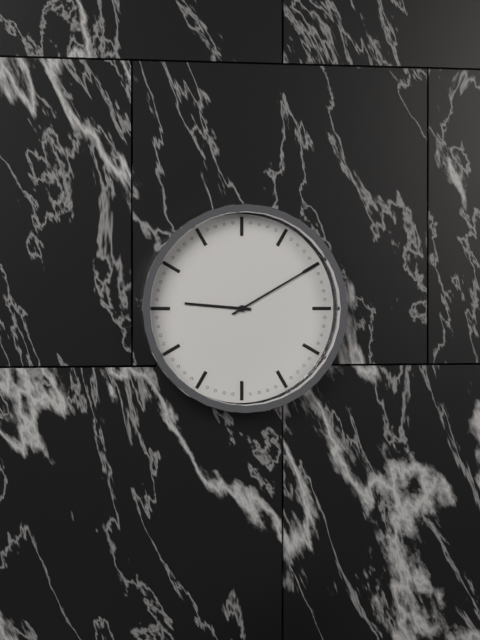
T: 9:10
